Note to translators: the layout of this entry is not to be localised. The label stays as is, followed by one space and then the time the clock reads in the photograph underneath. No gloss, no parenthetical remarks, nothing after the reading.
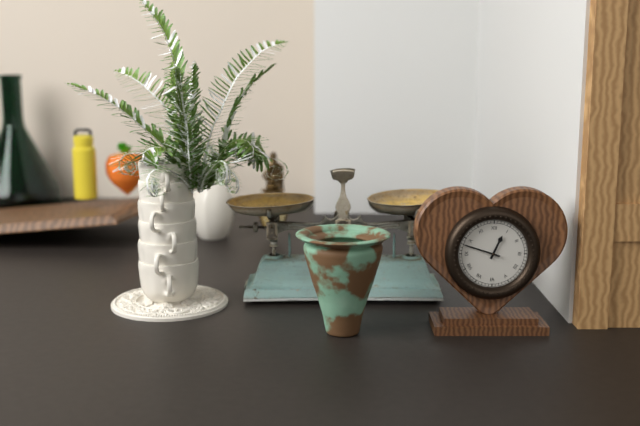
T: 12:48
